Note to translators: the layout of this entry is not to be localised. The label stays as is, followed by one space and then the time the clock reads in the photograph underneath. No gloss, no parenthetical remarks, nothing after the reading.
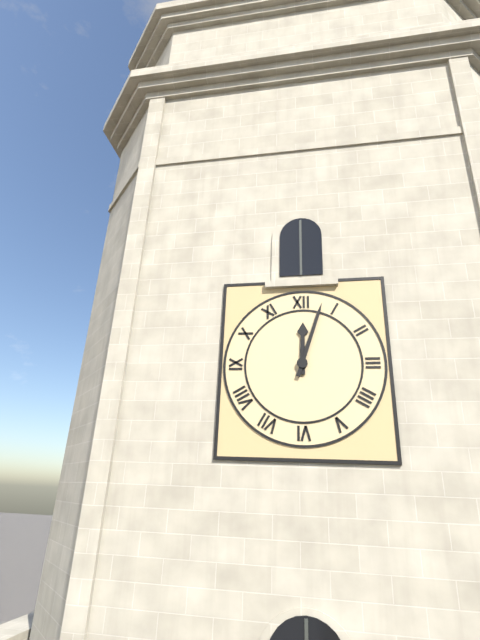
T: 12:03
